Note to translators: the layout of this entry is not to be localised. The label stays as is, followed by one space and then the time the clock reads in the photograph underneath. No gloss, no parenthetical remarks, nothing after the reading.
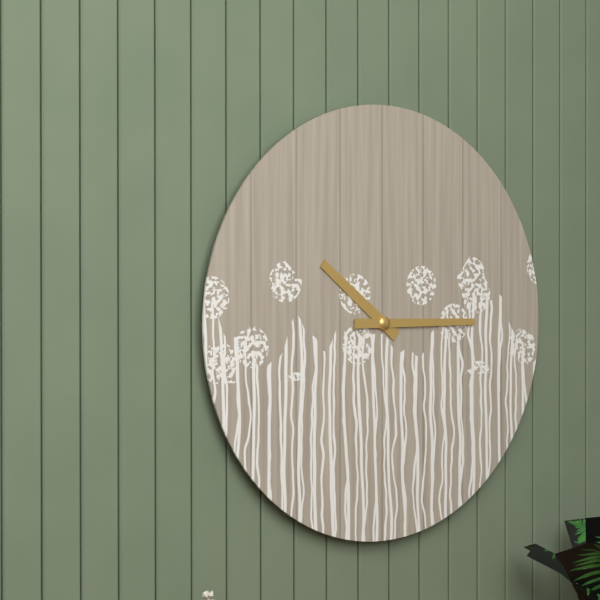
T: 10:15
